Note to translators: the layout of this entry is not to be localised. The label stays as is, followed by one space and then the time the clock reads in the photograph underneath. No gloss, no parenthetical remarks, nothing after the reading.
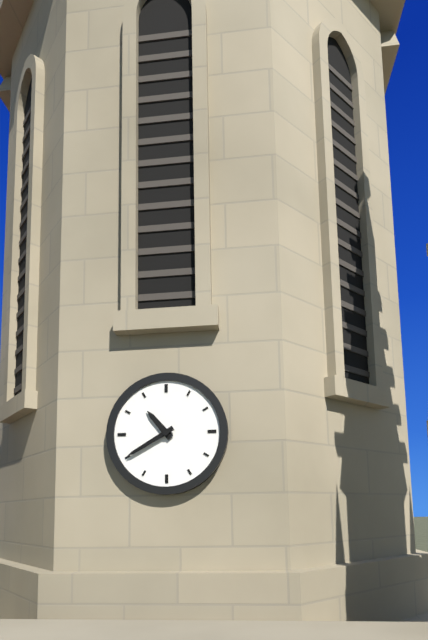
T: 10:40
